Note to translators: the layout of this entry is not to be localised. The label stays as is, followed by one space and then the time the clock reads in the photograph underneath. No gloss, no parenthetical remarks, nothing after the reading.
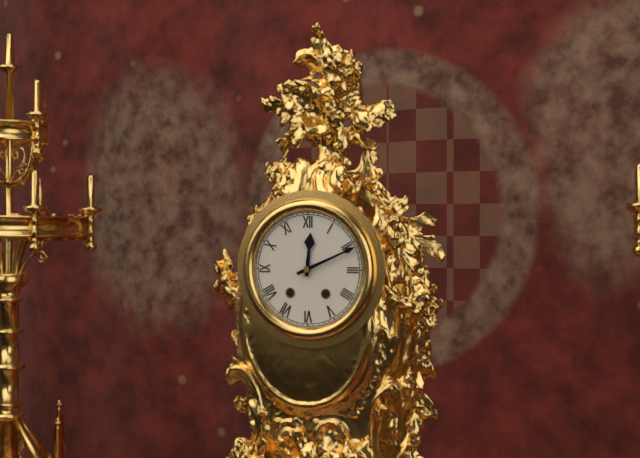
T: 12:11
